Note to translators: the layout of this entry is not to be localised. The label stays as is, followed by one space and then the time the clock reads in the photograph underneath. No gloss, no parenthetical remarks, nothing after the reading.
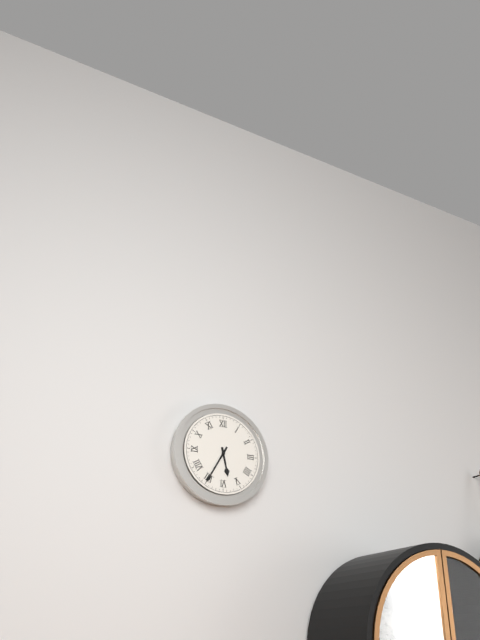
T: 5:35
